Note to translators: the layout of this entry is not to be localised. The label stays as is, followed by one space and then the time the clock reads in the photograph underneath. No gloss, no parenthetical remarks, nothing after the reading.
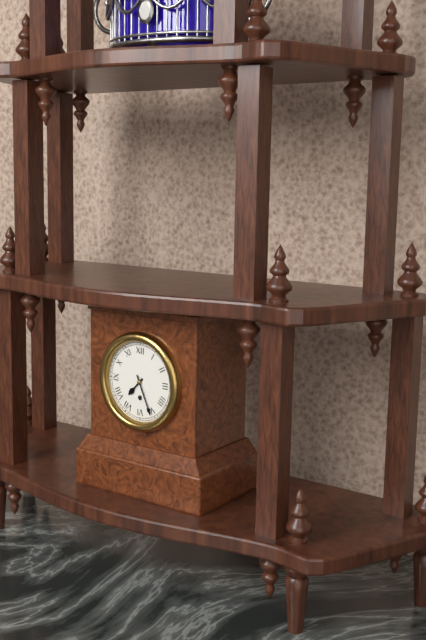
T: 7:26
